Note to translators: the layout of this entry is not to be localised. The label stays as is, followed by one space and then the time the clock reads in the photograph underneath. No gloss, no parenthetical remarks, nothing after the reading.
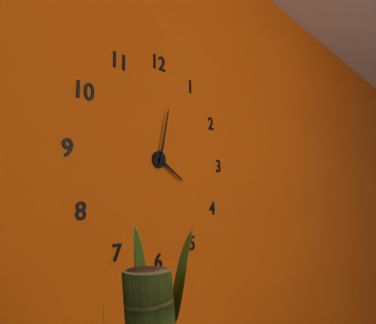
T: 4:02
